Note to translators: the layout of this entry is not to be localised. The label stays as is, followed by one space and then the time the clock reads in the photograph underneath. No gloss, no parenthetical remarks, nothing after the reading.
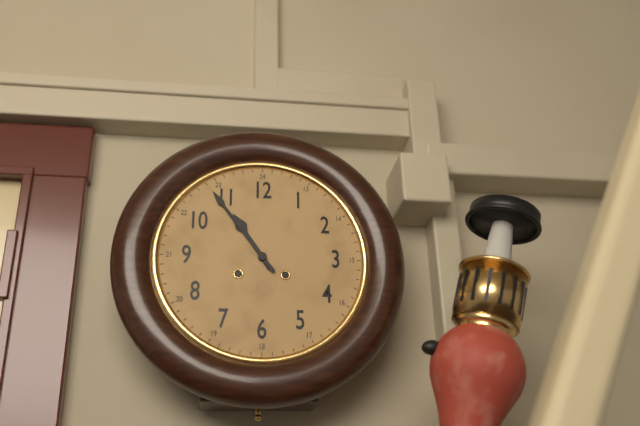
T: 10:54
